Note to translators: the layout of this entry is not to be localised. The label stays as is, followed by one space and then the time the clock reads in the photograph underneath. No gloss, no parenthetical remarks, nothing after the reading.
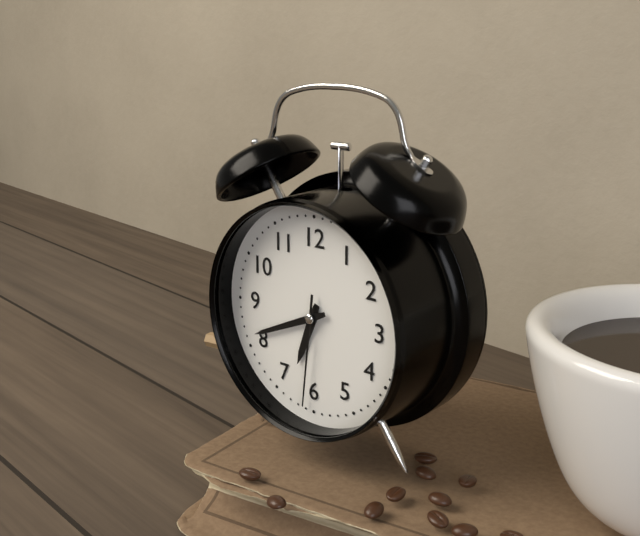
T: 6:41:31
